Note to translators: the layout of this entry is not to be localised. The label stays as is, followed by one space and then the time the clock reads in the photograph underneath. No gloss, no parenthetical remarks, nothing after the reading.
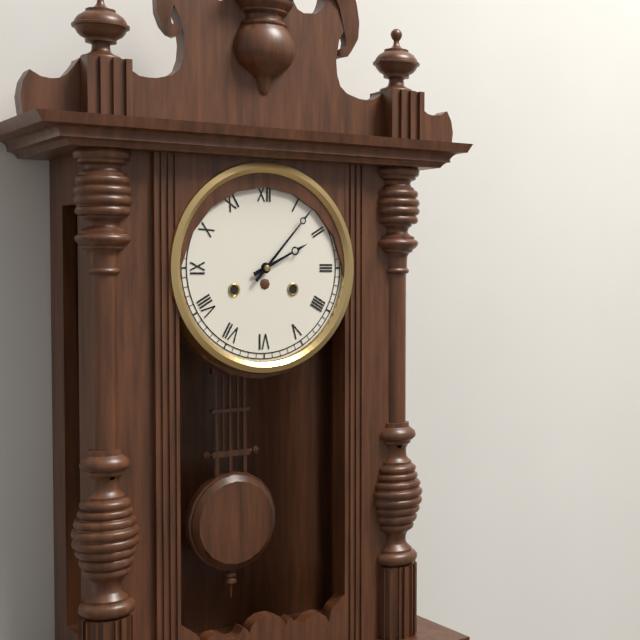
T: 2:07
